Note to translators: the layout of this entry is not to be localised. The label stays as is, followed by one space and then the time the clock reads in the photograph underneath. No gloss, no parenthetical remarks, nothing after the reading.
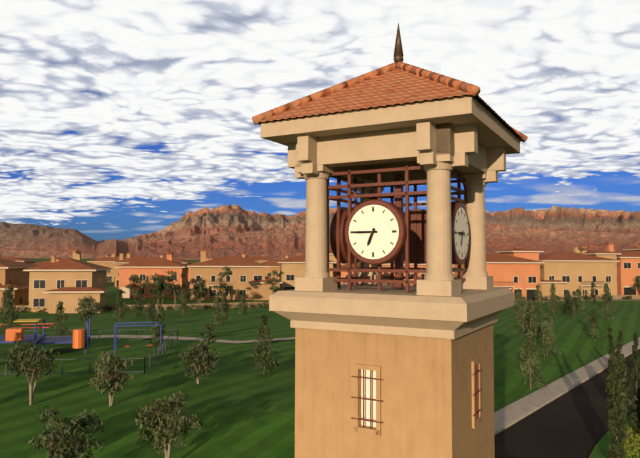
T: 6:45
